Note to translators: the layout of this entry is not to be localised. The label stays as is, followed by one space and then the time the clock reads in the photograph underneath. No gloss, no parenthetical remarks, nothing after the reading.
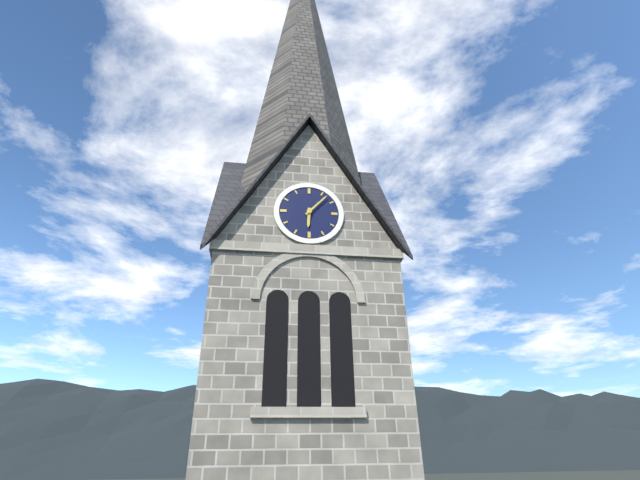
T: 6:07
